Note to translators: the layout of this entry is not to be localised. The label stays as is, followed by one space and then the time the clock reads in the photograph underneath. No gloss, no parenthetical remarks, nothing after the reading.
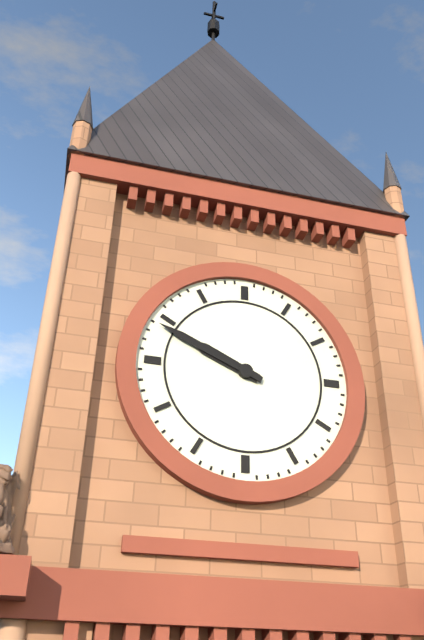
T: 9:49
